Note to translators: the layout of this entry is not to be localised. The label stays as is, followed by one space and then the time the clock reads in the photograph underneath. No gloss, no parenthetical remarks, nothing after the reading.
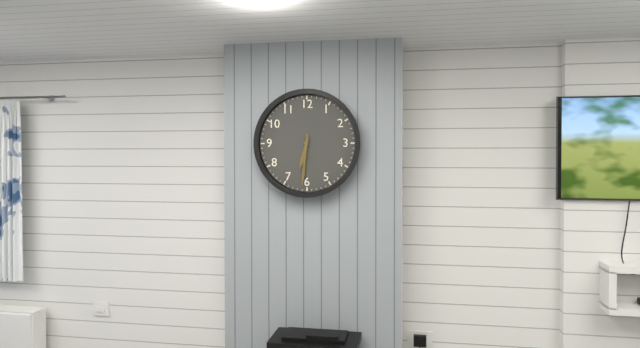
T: 6:31
